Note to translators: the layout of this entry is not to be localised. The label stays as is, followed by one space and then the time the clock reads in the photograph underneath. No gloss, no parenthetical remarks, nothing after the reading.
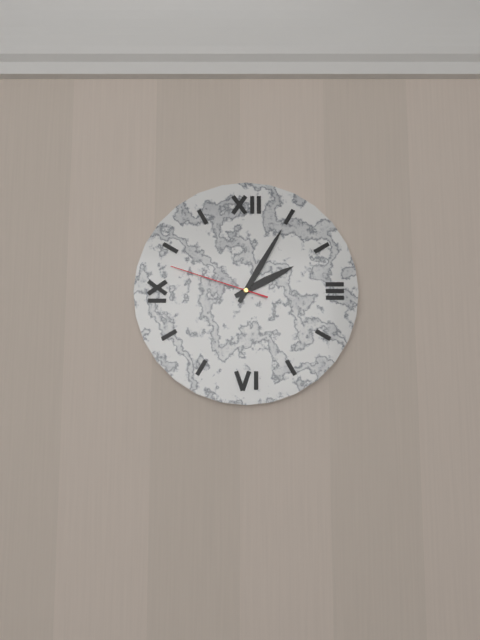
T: 2:05:48
